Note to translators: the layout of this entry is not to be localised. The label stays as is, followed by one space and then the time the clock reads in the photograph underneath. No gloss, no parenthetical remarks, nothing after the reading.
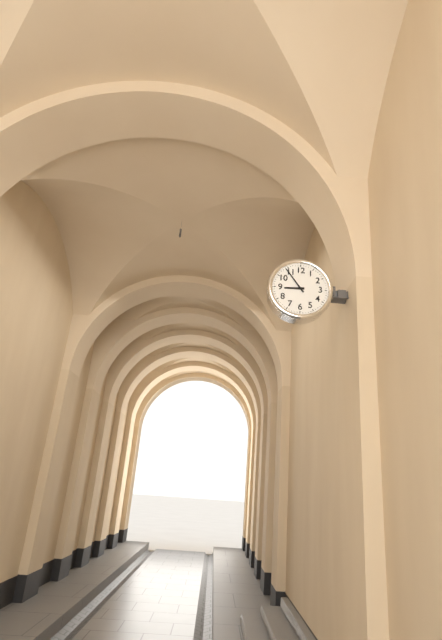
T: 8:54
